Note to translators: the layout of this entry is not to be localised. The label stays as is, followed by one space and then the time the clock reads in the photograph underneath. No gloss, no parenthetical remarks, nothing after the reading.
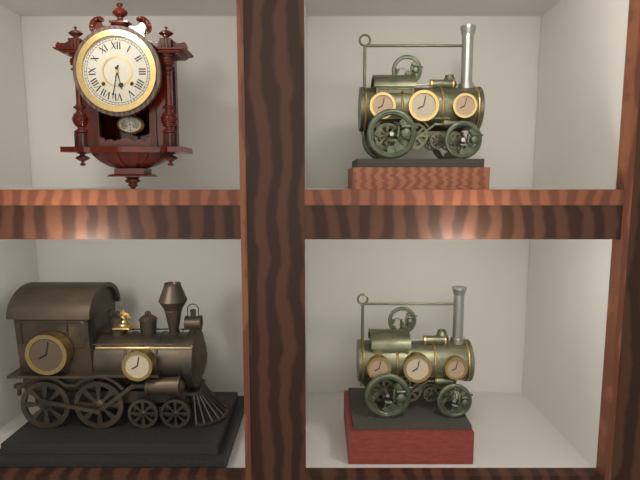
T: 5:32
